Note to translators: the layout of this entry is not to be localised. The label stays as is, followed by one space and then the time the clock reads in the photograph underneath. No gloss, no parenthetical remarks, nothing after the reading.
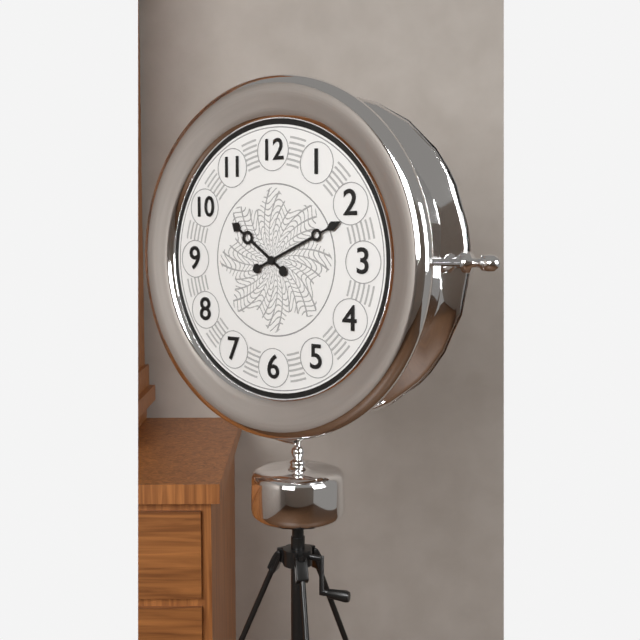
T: 10:11
